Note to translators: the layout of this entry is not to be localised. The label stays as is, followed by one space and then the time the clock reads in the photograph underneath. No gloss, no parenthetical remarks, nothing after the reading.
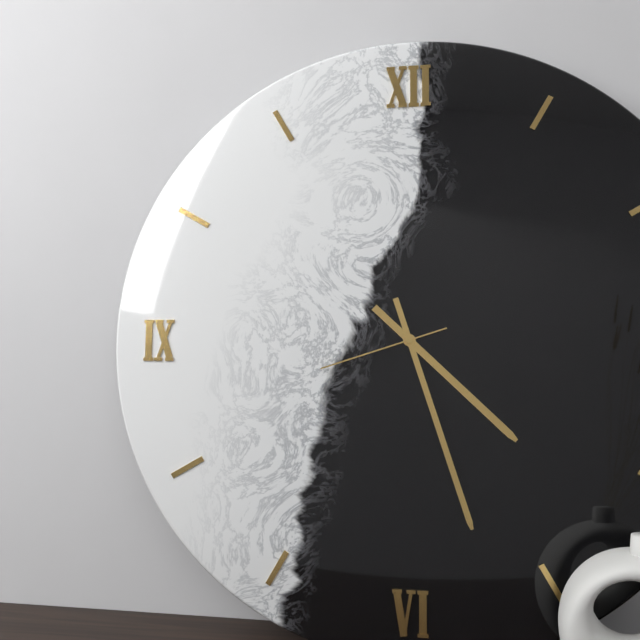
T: 4:27:42
